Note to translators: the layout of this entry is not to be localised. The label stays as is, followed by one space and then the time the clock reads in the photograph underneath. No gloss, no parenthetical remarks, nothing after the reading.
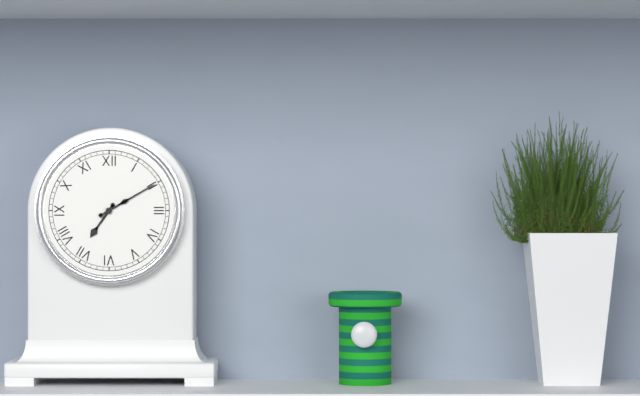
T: 7:10
